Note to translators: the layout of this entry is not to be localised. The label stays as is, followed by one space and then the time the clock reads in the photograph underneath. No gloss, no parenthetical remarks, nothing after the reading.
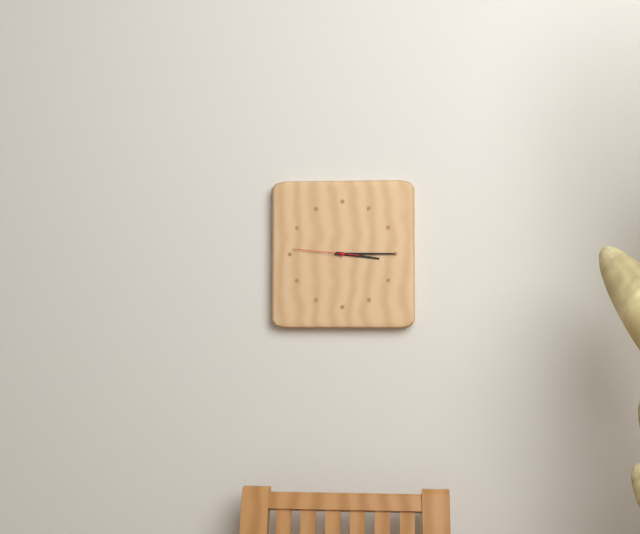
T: 3:15:46
